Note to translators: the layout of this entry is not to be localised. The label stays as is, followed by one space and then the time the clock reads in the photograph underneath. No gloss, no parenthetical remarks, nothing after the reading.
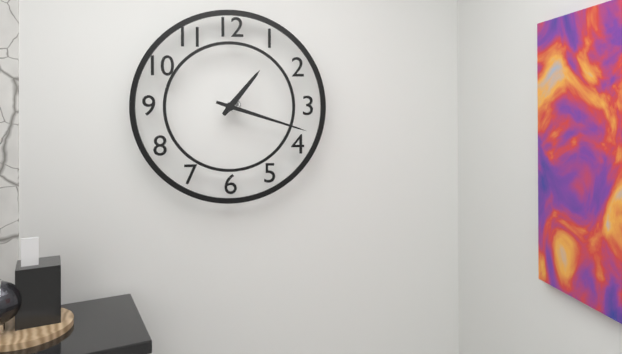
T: 1:18
